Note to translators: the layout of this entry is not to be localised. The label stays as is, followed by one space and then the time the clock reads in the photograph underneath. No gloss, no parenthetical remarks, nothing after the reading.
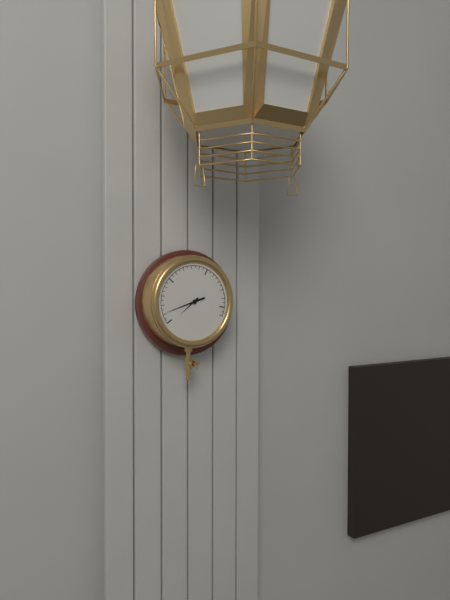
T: 7:42
